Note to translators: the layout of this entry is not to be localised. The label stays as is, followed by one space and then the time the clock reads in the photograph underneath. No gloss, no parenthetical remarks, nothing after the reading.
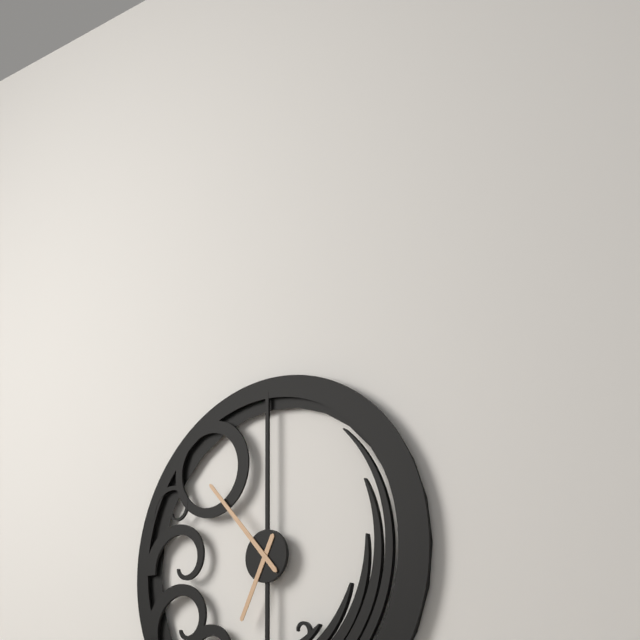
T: 6:53
